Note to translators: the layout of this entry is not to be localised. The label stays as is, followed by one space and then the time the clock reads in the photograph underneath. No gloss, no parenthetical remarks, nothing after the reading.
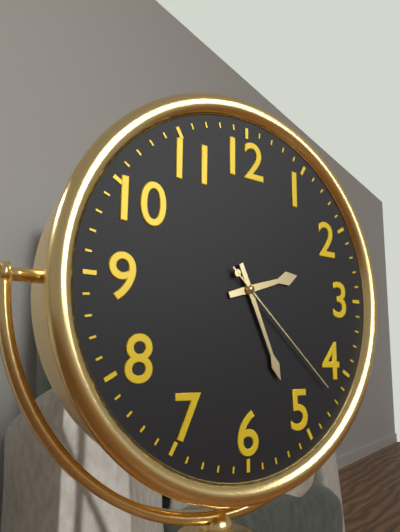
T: 2:26:22
